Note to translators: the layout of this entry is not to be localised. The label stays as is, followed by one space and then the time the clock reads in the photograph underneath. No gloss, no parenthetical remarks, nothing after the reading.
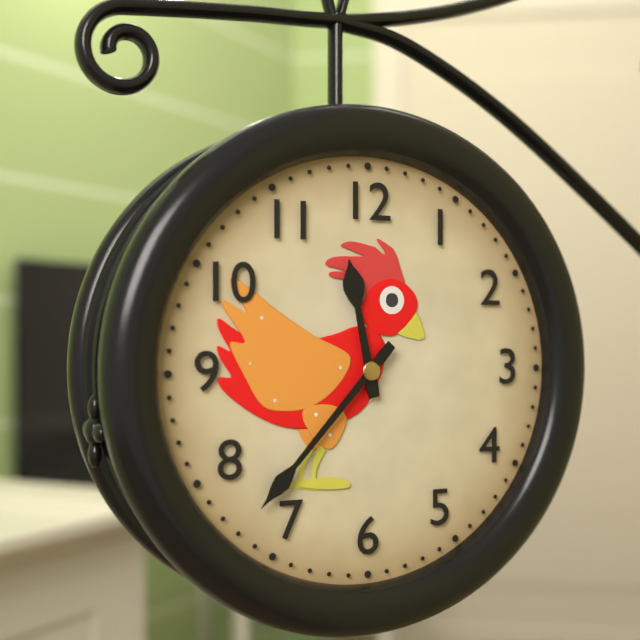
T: 11:37
